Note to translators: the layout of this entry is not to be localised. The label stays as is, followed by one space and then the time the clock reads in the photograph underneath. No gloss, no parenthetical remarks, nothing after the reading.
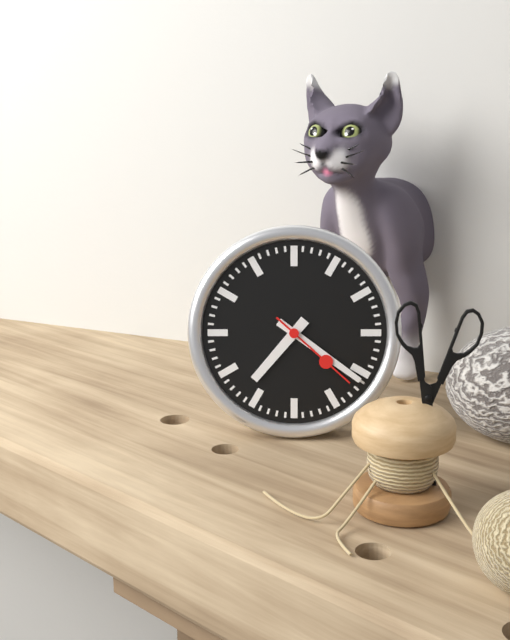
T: 7:21:22
